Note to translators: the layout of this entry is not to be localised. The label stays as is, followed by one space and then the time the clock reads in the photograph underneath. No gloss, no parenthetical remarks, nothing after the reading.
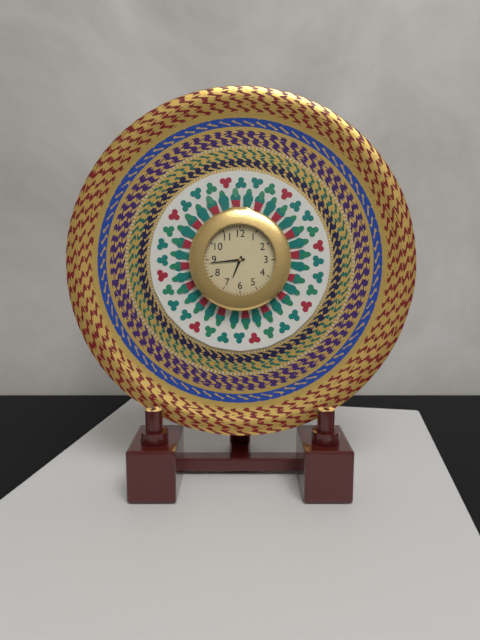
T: 6:44
